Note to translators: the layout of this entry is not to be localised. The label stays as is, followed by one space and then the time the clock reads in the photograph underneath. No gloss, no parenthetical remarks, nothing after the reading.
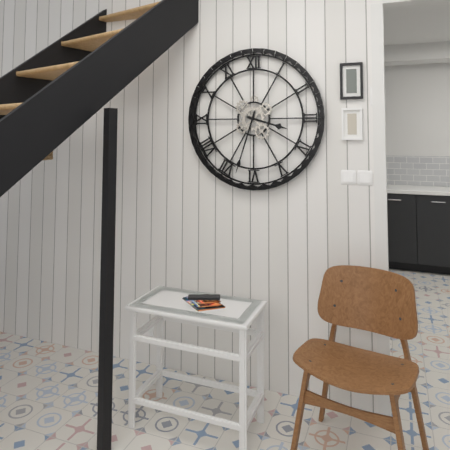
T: 3:33
